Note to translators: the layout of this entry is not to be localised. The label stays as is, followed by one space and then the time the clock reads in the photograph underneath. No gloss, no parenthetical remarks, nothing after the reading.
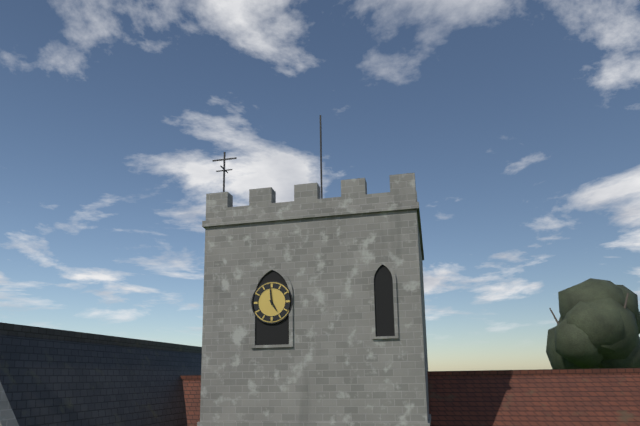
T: 4:59
